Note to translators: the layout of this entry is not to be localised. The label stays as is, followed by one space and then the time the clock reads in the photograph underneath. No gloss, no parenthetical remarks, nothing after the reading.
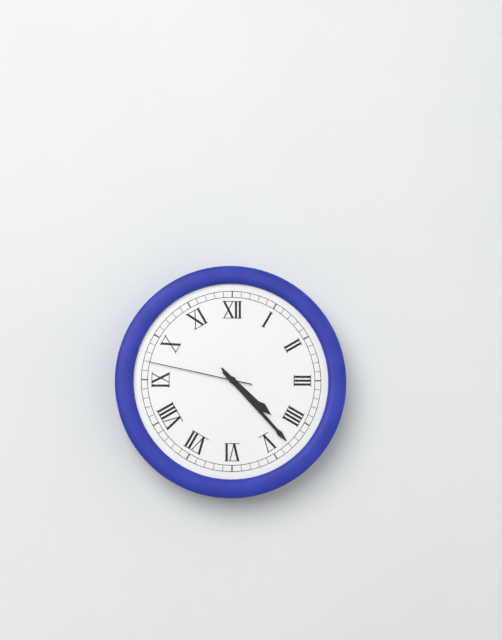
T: 4:23:47
